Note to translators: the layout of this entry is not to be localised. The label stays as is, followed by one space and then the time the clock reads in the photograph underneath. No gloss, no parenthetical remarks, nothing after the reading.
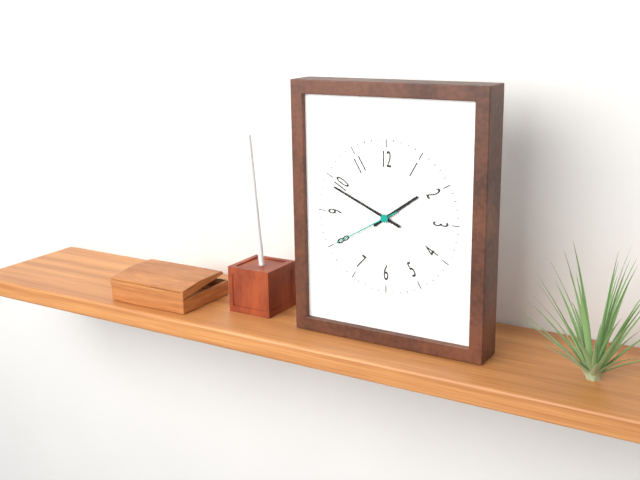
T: 1:49:40
